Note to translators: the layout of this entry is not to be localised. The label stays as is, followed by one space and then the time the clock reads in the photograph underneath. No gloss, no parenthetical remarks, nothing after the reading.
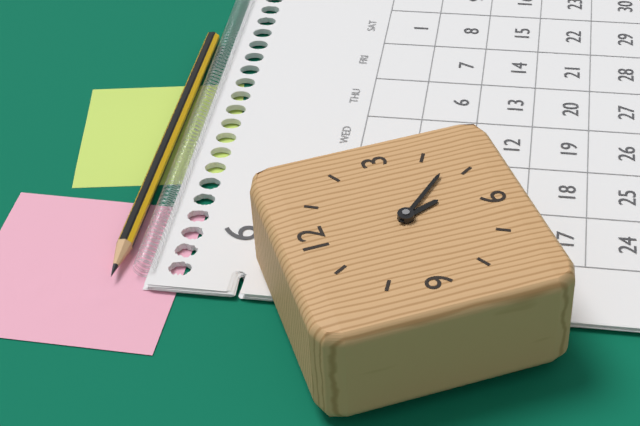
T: 5:23
